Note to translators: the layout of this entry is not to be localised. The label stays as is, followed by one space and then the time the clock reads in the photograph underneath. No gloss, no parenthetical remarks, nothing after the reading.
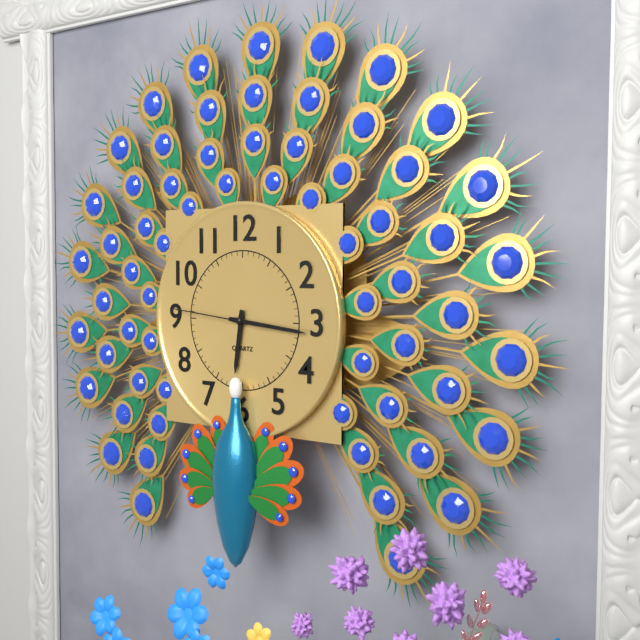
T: 6:16:46
